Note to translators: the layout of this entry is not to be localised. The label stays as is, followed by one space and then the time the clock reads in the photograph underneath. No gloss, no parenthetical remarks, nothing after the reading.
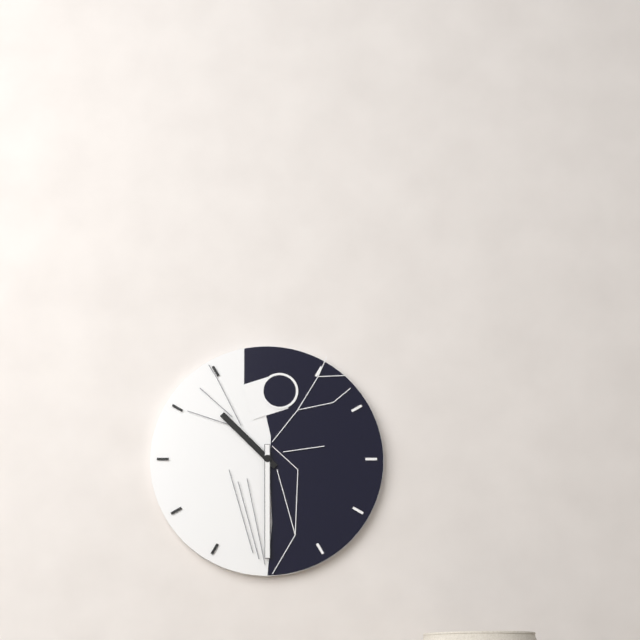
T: 10:30
